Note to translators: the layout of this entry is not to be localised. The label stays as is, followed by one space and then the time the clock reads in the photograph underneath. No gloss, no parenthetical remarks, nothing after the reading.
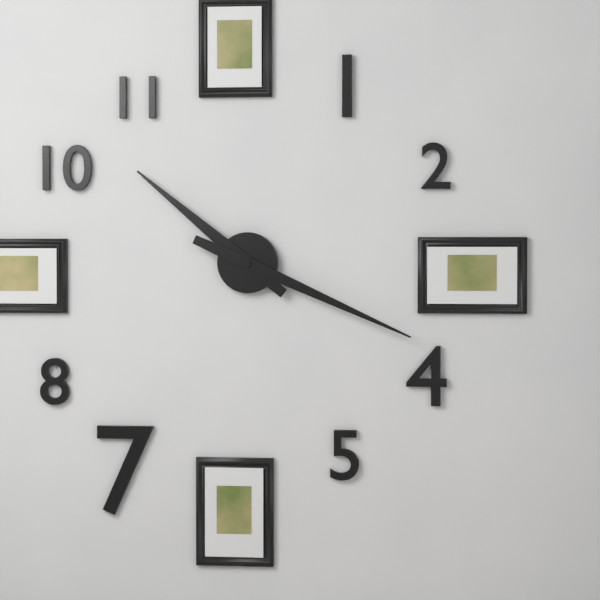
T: 10:19
